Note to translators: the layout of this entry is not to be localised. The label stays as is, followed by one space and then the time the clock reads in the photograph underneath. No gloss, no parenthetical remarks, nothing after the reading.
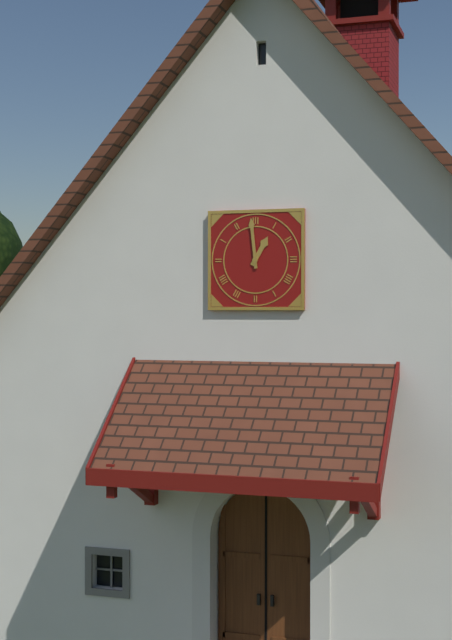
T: 12:59
